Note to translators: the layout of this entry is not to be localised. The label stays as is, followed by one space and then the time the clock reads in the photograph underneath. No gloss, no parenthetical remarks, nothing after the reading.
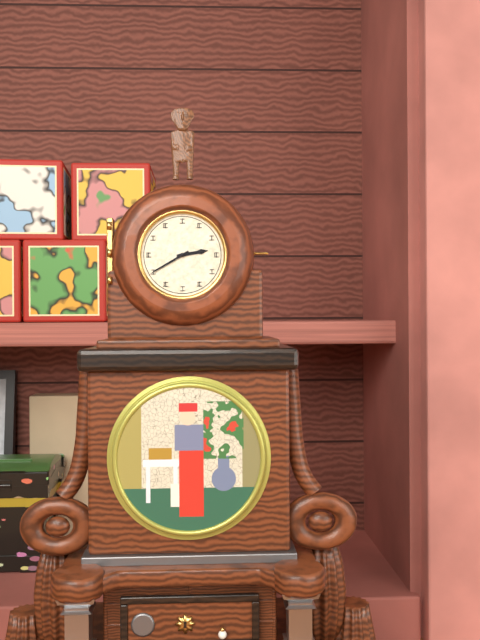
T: 2:40
